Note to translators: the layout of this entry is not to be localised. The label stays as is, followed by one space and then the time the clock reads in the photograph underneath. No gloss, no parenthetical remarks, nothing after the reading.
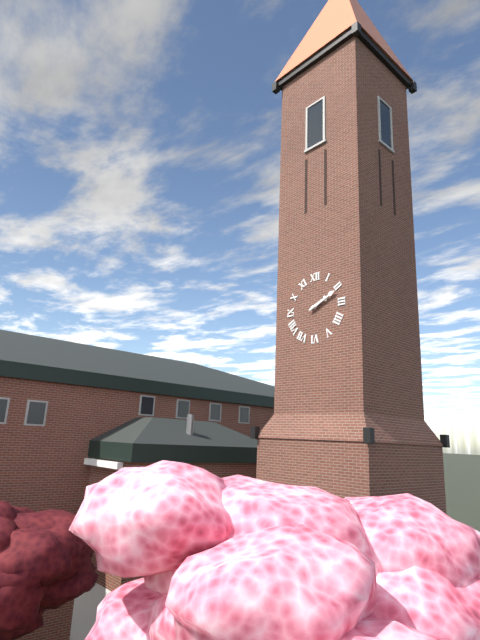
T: 2:11
